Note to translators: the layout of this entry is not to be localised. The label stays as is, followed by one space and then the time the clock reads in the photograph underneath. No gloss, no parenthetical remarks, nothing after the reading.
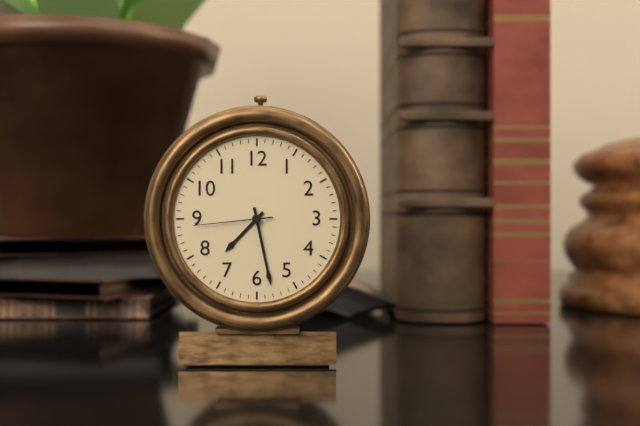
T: 7:28:44
